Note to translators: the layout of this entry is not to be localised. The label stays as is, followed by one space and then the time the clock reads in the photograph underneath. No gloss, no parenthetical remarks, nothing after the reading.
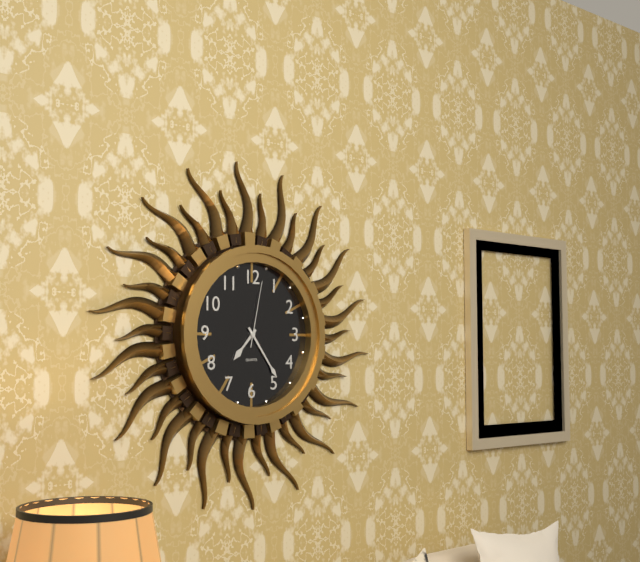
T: 7:24:02
